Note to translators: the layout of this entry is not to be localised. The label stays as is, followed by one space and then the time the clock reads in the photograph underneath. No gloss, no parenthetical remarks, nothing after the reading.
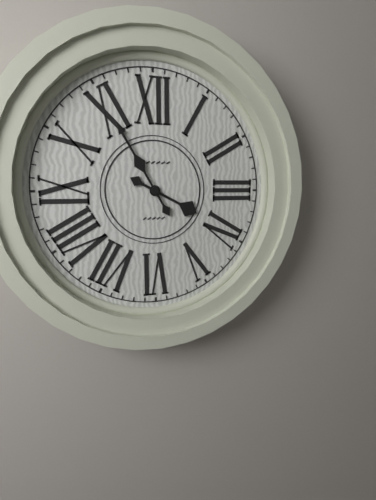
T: 3:55
